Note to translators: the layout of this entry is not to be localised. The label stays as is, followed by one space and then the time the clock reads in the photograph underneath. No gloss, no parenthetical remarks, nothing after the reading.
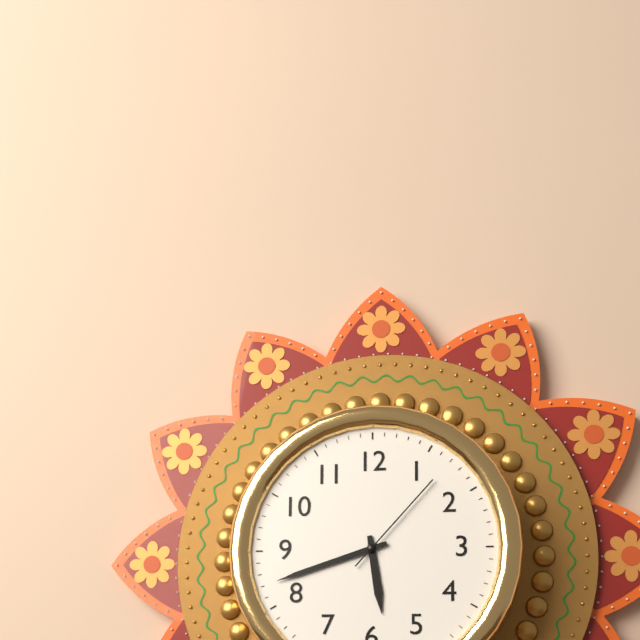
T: 5:42:07
